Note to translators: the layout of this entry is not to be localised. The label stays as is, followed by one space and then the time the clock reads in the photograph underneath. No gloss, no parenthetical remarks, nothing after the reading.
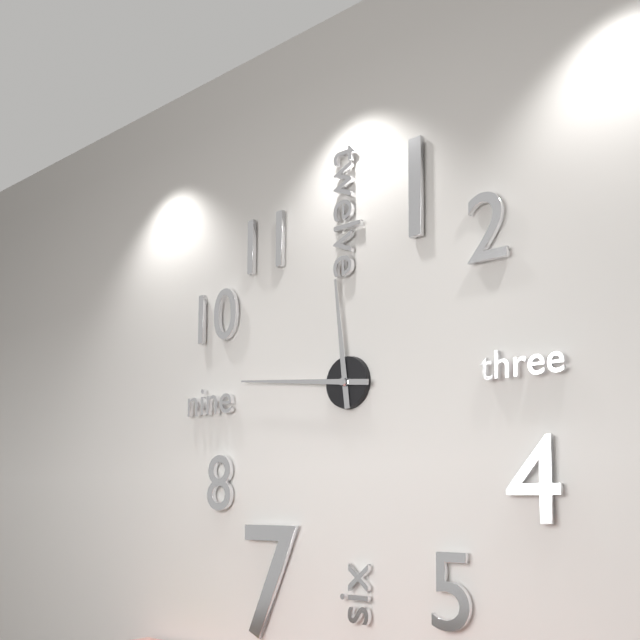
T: 11:46
